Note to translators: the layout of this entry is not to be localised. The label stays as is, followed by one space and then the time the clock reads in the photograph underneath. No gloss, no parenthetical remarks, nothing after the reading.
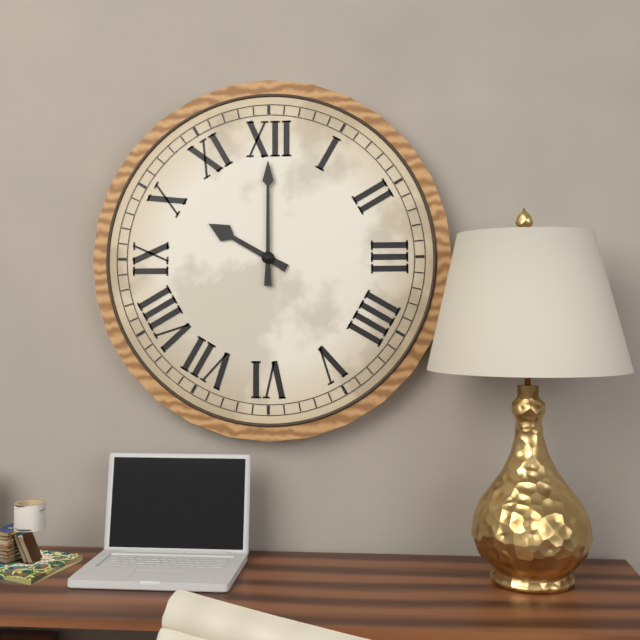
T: 10:00
